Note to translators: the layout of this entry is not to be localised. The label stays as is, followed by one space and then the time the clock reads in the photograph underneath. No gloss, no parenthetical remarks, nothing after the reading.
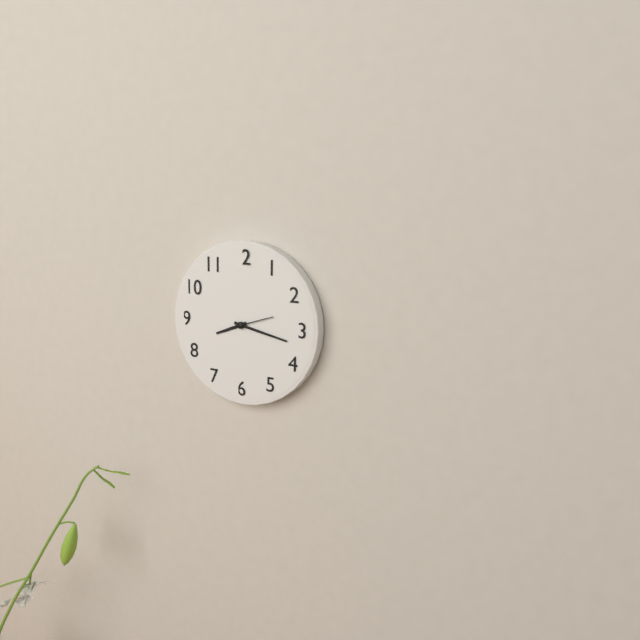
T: 8:17
